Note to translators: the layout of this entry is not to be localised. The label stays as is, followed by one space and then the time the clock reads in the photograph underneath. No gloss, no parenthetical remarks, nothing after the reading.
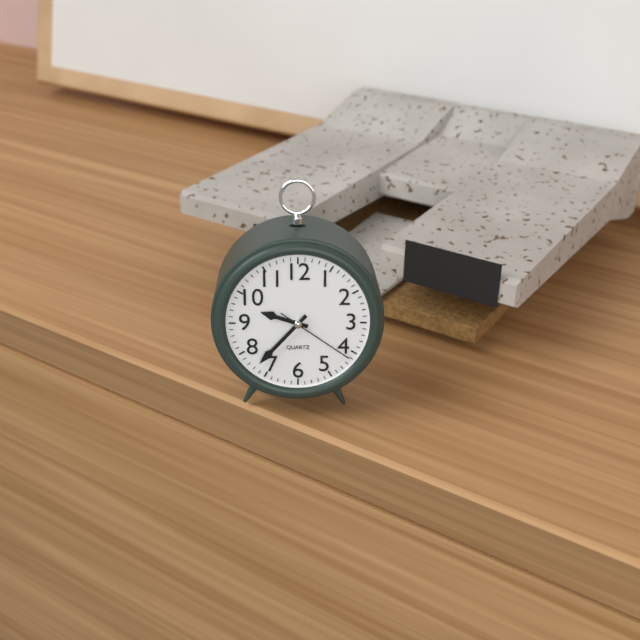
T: 9:37:21
